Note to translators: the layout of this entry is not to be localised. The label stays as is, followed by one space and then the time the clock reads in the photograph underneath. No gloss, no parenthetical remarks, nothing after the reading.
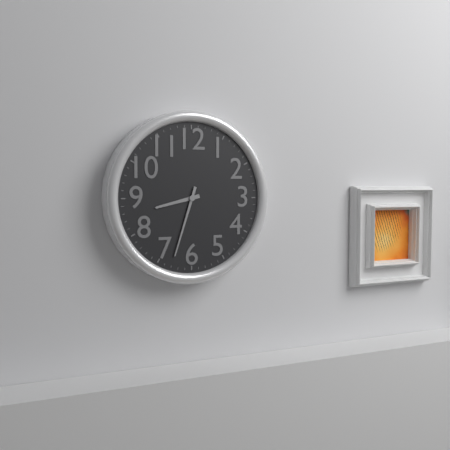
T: 8:33
